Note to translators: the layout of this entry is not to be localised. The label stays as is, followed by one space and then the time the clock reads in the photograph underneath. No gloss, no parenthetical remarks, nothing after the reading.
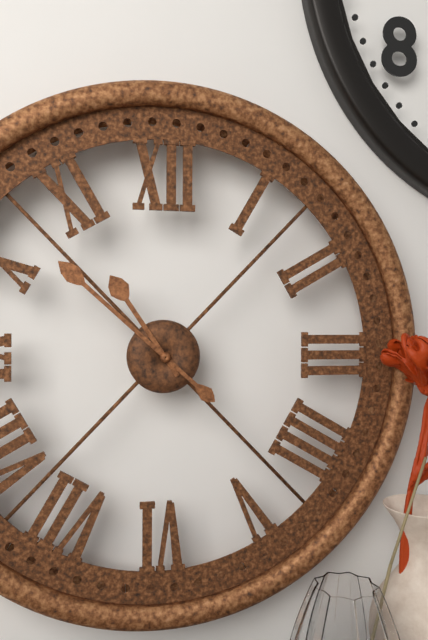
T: 10:52
